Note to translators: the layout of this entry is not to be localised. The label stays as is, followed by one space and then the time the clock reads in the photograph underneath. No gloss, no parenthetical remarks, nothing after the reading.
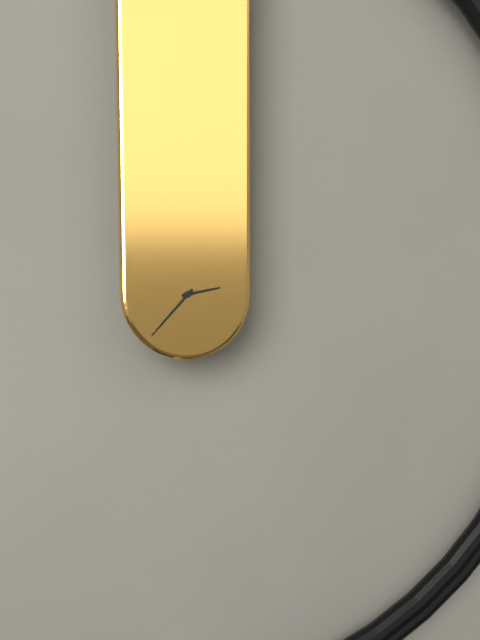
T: 2:37
